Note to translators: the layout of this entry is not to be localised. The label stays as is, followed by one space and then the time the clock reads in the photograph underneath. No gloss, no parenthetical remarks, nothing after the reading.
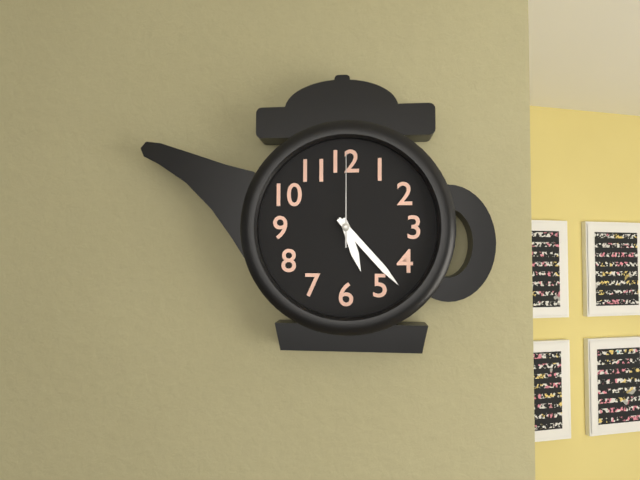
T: 5:23:00
